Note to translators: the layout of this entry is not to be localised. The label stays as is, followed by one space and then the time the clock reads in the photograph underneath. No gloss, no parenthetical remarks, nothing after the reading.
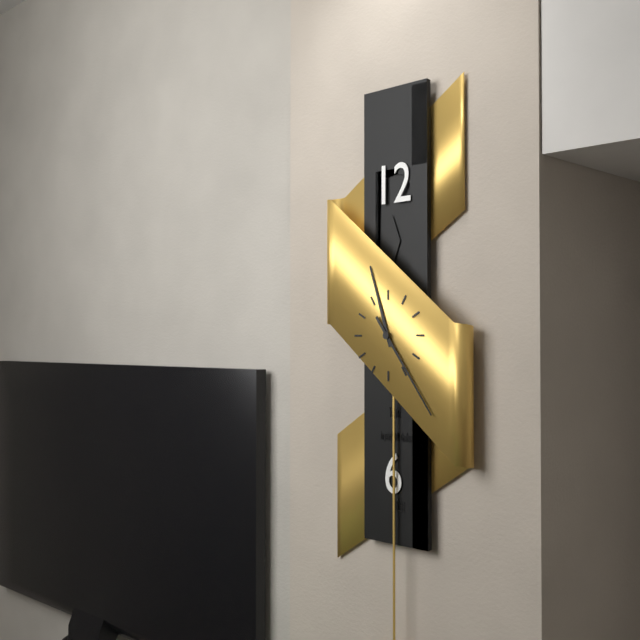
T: 11:24
